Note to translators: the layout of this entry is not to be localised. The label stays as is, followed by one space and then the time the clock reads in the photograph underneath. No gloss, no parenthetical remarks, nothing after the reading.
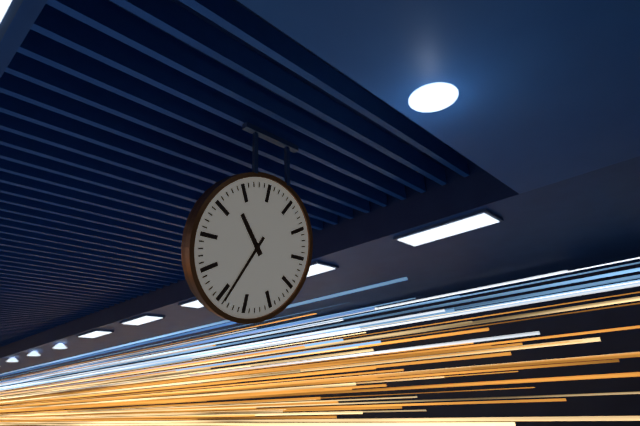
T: 10:34
